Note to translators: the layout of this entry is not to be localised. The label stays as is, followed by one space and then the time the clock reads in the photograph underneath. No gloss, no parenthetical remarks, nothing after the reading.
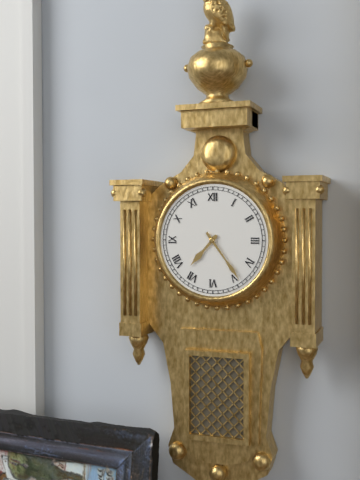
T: 7:24
